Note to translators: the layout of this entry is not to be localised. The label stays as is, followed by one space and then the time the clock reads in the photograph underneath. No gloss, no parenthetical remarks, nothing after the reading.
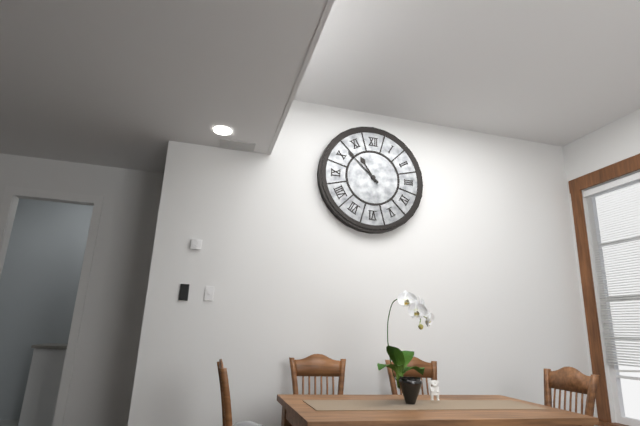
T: 10:52
